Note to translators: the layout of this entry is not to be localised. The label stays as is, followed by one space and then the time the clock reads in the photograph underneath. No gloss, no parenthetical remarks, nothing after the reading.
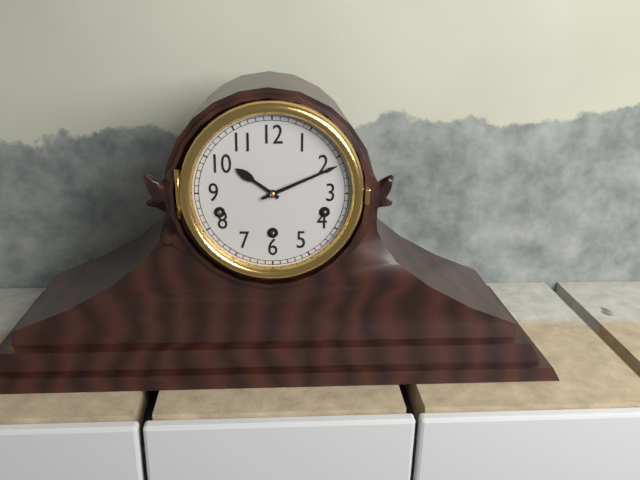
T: 10:11
